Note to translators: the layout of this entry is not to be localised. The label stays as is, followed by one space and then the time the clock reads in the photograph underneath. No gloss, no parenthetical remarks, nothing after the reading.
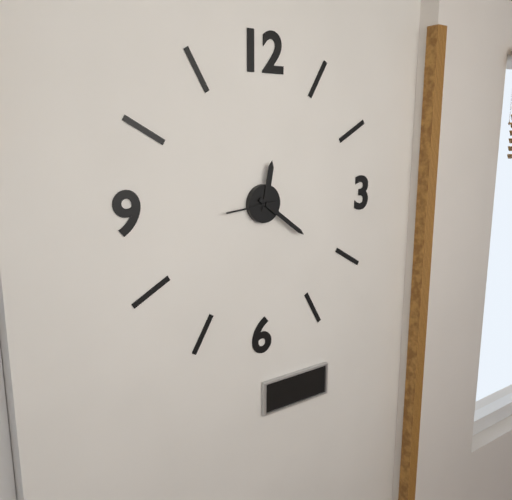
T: 12:21
